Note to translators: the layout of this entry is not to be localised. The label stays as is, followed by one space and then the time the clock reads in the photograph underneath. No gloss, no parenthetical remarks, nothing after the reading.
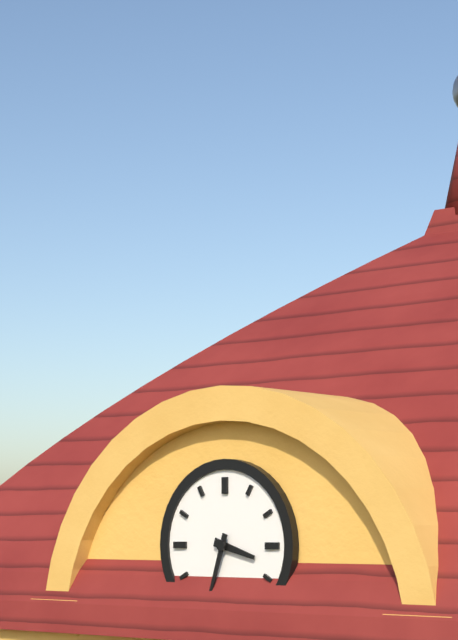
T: 3:33
